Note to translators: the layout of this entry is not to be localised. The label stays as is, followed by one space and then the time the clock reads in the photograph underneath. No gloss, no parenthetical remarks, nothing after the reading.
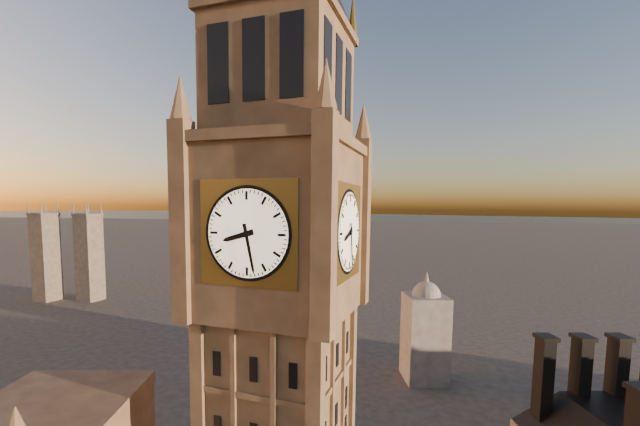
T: 8:28
